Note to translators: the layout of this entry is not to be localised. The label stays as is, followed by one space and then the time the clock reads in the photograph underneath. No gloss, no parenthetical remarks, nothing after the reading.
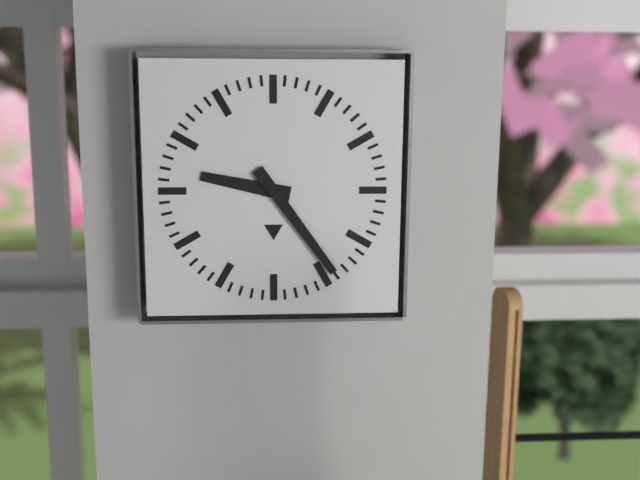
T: 9:24
